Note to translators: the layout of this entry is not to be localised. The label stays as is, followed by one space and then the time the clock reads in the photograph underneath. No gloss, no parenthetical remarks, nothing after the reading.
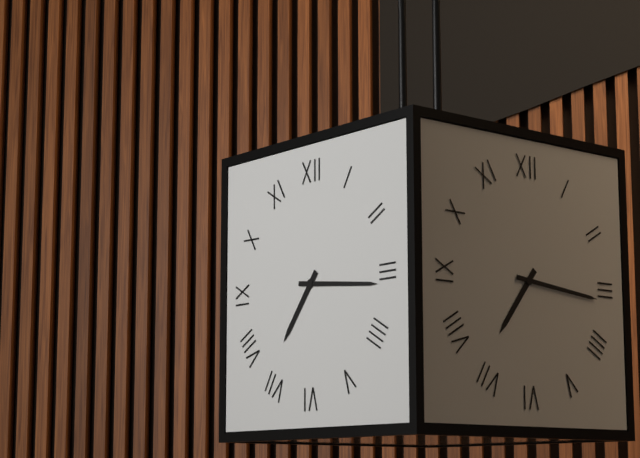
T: 7:16
